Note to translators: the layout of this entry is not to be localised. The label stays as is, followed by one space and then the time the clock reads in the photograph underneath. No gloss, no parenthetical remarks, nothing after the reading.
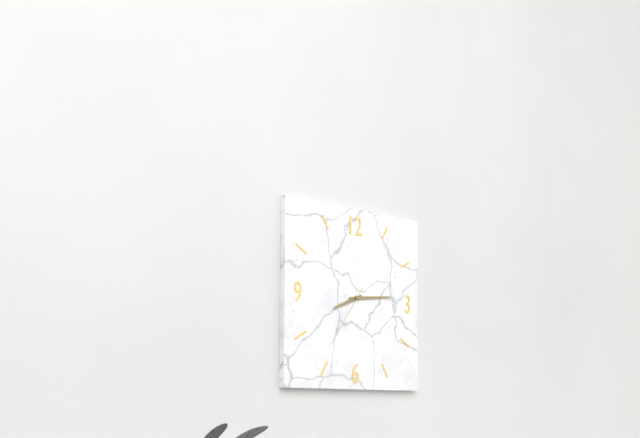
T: 8:14:36
